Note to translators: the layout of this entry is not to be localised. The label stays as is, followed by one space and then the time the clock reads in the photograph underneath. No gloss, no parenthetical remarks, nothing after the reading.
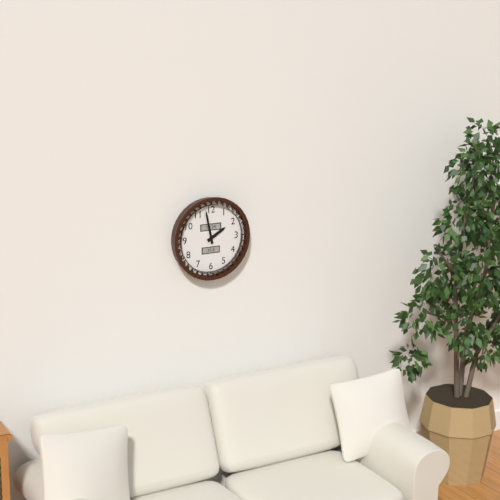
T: 1:58
